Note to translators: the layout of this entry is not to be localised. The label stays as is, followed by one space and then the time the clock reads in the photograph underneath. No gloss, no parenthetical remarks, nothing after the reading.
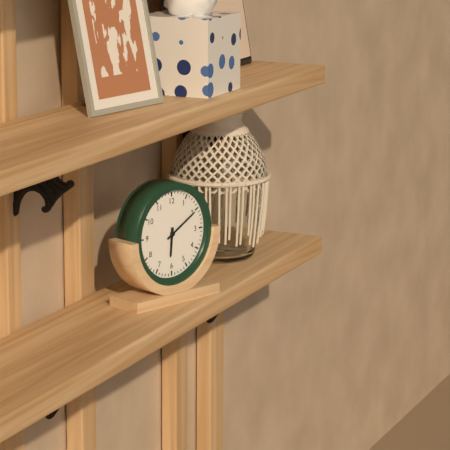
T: 6:10
